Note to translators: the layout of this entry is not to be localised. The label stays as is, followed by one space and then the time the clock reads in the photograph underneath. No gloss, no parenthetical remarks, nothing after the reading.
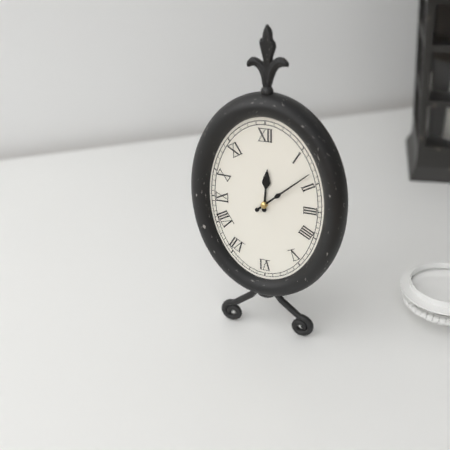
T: 12:08
